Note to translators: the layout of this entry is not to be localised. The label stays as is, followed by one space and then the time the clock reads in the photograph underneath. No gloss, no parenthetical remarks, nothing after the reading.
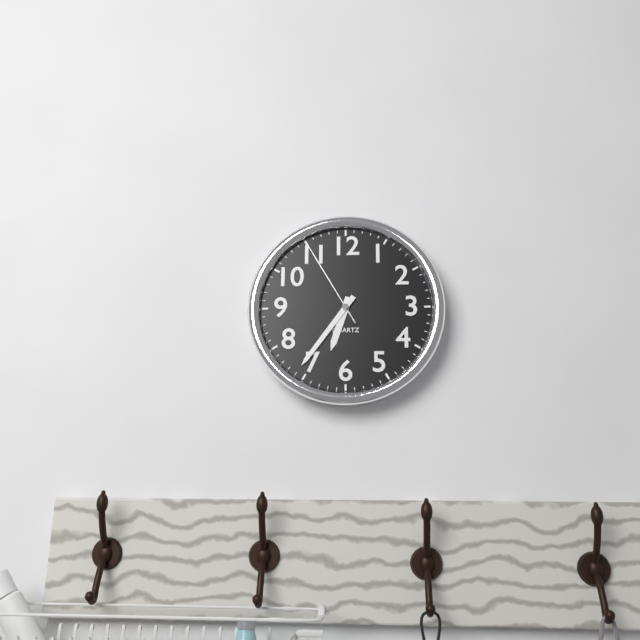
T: 6:36:55
